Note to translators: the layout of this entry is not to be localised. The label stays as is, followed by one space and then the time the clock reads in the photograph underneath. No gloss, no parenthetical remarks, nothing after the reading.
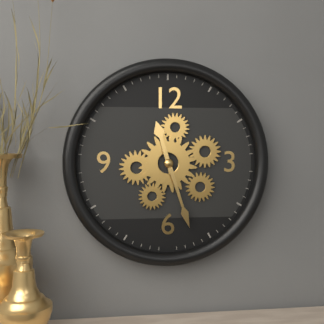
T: 11:27
